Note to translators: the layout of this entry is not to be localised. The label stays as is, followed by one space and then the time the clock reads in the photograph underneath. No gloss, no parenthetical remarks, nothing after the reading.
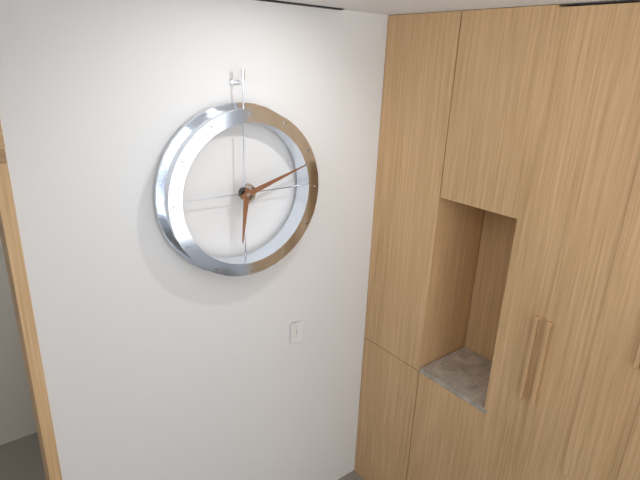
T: 6:12
